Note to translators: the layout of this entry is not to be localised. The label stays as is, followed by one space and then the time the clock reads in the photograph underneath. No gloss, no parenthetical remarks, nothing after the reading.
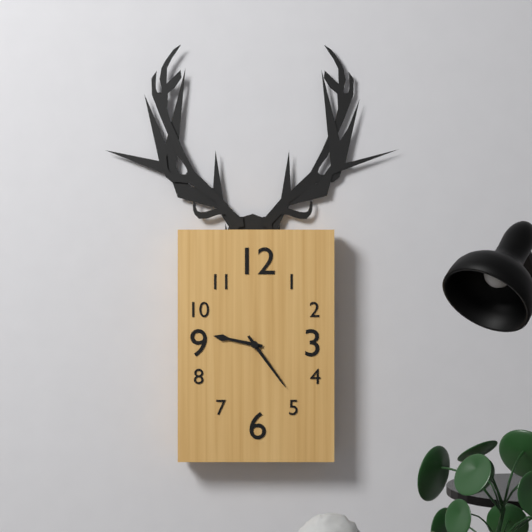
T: 9:24
